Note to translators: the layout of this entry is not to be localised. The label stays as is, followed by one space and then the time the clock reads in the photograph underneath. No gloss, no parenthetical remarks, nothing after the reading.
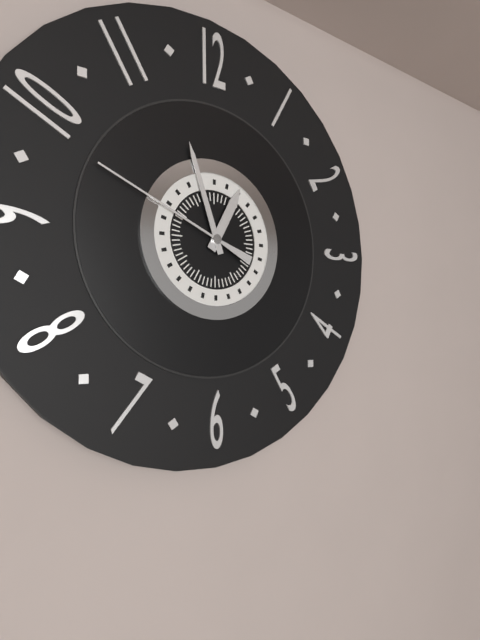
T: 12:57:49
